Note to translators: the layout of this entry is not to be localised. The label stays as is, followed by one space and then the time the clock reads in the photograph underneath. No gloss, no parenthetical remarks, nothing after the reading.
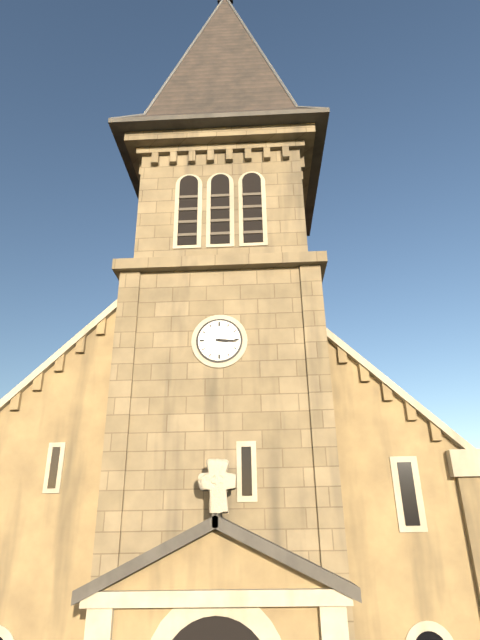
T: 3:16
